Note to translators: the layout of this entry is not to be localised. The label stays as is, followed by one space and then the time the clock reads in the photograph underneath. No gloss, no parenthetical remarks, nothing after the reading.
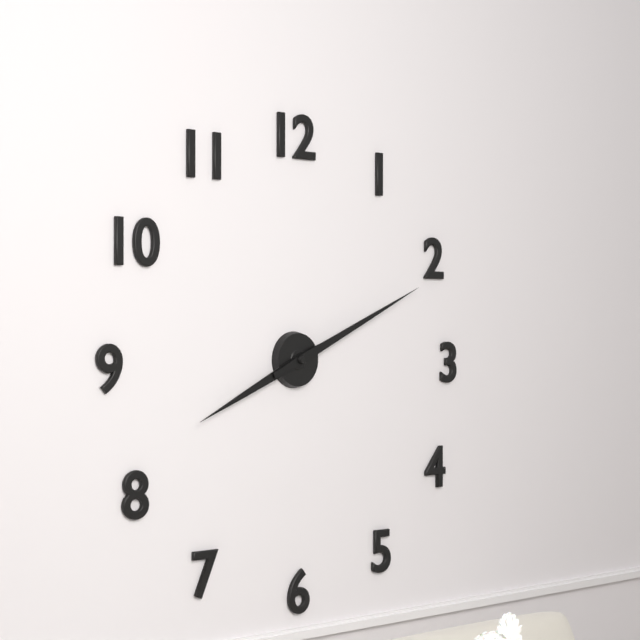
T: 8:11
